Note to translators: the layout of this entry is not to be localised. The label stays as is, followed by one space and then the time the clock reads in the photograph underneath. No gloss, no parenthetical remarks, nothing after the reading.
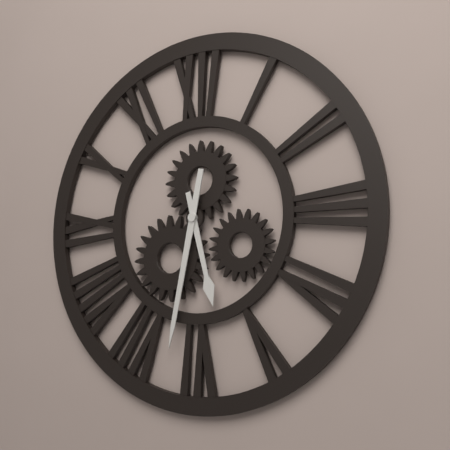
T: 5:32
